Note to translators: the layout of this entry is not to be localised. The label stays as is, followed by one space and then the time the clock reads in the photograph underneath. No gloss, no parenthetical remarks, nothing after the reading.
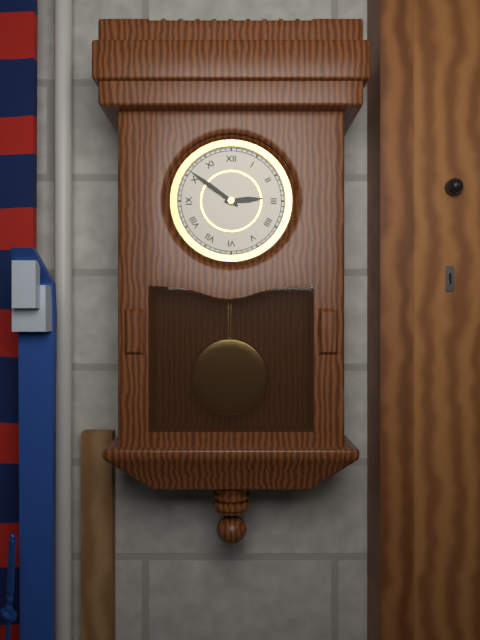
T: 2:51
